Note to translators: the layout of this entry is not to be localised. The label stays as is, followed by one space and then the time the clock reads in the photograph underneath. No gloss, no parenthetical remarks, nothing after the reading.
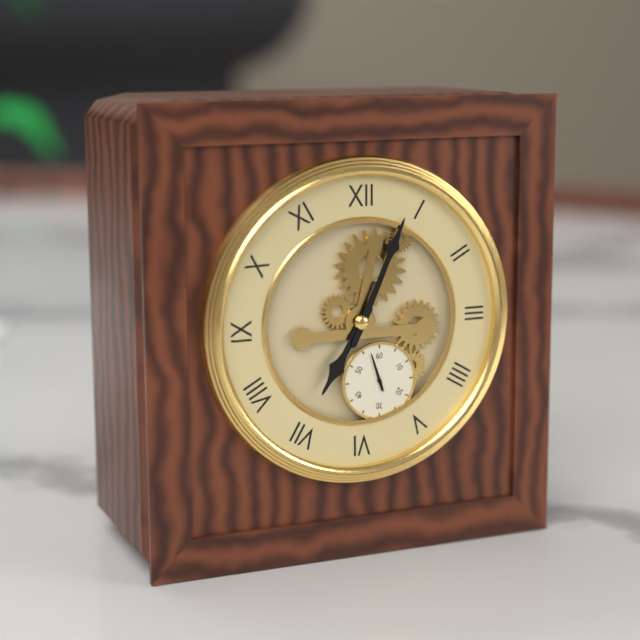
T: 7:04
